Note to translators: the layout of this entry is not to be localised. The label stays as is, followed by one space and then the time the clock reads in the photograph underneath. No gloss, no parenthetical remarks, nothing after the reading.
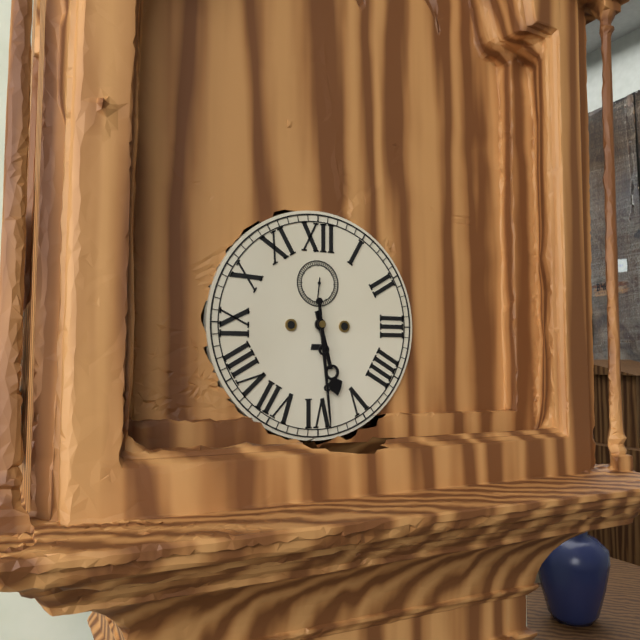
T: 5:29
